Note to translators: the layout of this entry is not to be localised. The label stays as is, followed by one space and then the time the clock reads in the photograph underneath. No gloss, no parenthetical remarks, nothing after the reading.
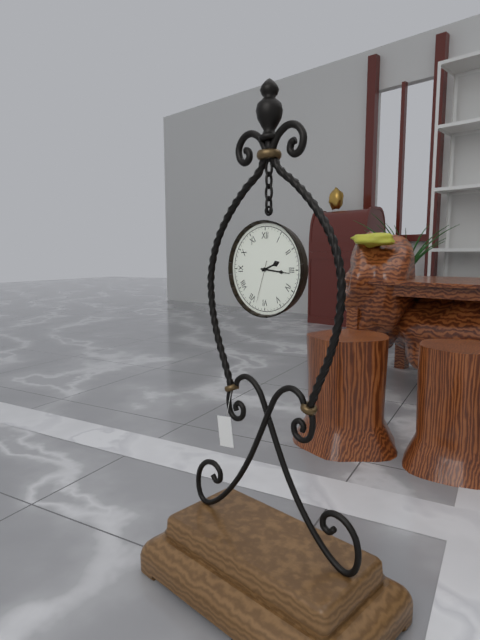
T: 2:16
